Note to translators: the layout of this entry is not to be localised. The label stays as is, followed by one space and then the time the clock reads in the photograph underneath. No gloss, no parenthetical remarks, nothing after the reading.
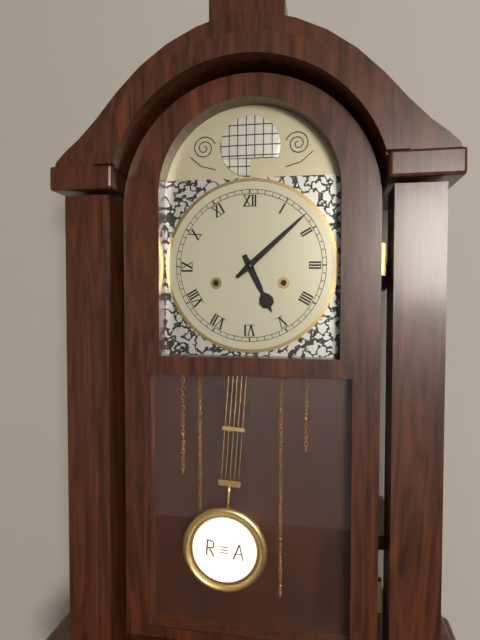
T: 5:08
